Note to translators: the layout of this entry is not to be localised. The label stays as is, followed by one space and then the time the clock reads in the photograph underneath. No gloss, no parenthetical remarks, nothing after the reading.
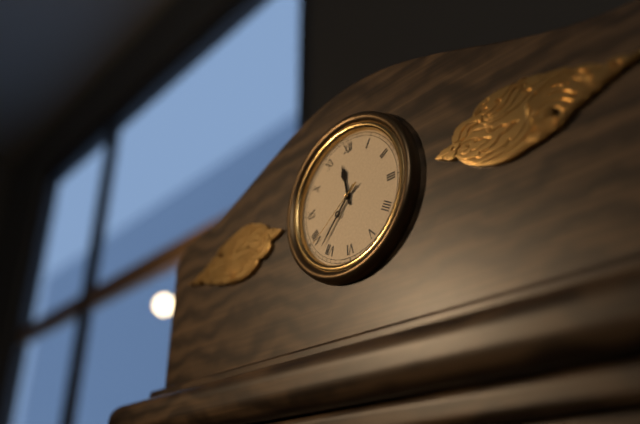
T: 11:37:39
